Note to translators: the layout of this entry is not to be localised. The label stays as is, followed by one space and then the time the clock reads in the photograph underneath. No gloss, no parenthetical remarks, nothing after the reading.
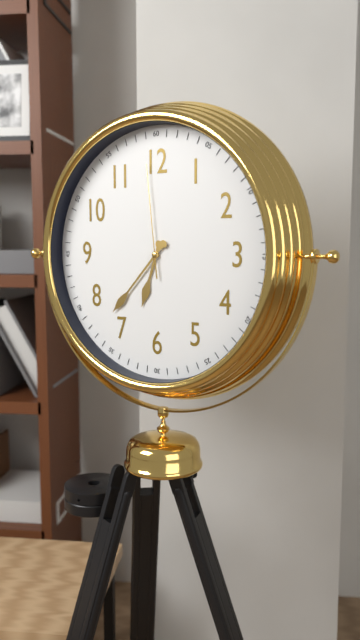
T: 6:37:59
